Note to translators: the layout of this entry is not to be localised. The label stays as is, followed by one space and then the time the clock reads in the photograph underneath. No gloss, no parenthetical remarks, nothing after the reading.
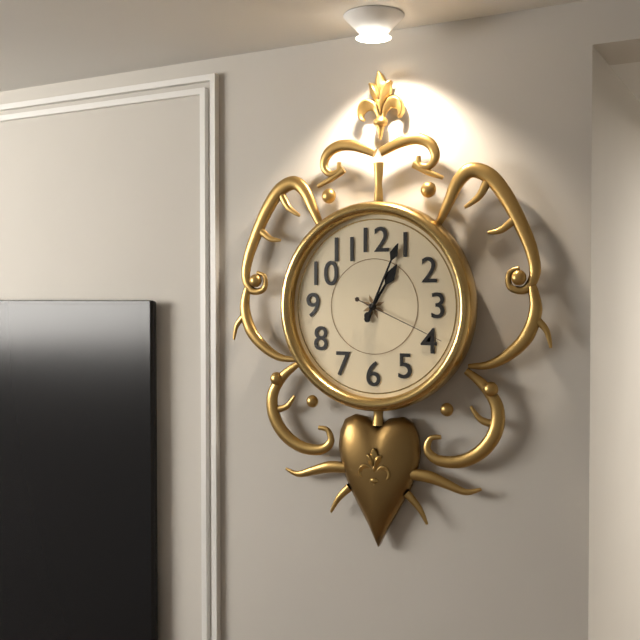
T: 1:04:19
